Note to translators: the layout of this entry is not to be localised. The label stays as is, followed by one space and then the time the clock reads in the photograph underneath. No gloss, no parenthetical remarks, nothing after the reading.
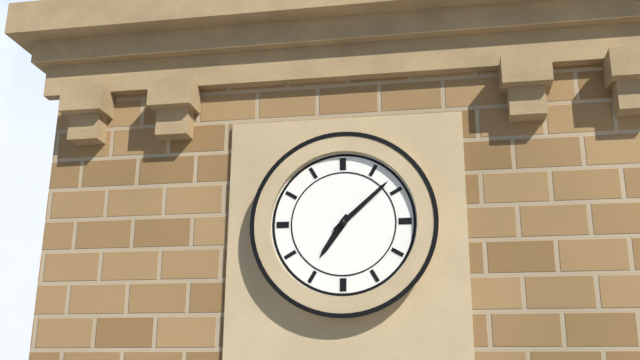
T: 7:08
